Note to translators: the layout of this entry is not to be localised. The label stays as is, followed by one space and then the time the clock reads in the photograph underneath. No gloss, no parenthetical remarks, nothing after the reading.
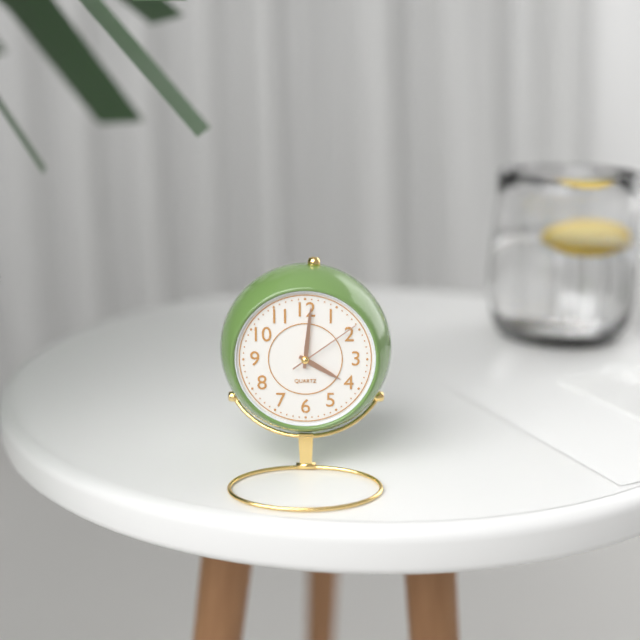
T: 4:01:09
